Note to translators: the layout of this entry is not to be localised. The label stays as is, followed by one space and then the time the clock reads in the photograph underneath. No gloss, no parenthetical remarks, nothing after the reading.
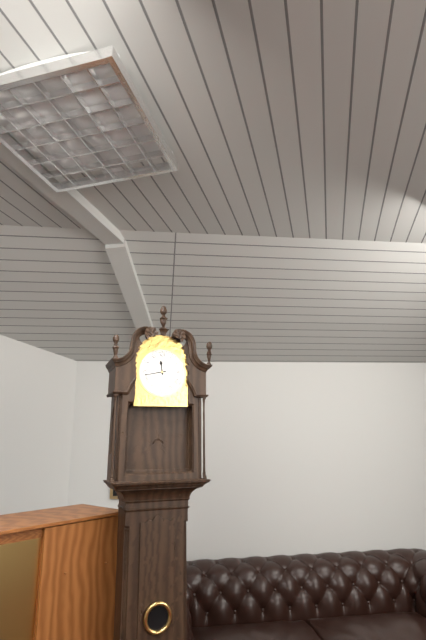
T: 11:43
